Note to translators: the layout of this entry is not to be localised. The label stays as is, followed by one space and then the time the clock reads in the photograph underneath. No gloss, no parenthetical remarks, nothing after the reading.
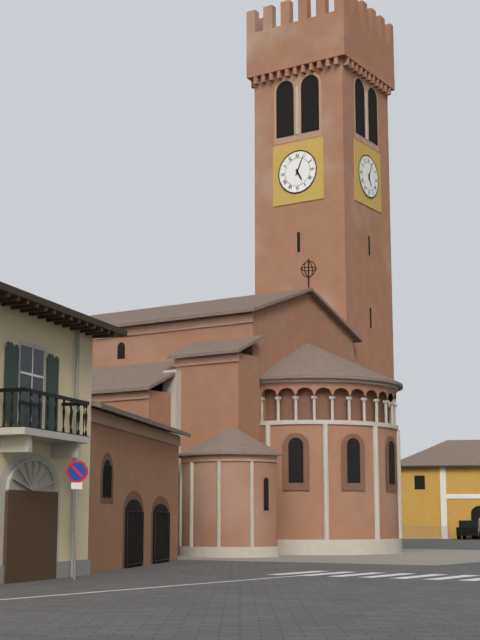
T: 5:04
